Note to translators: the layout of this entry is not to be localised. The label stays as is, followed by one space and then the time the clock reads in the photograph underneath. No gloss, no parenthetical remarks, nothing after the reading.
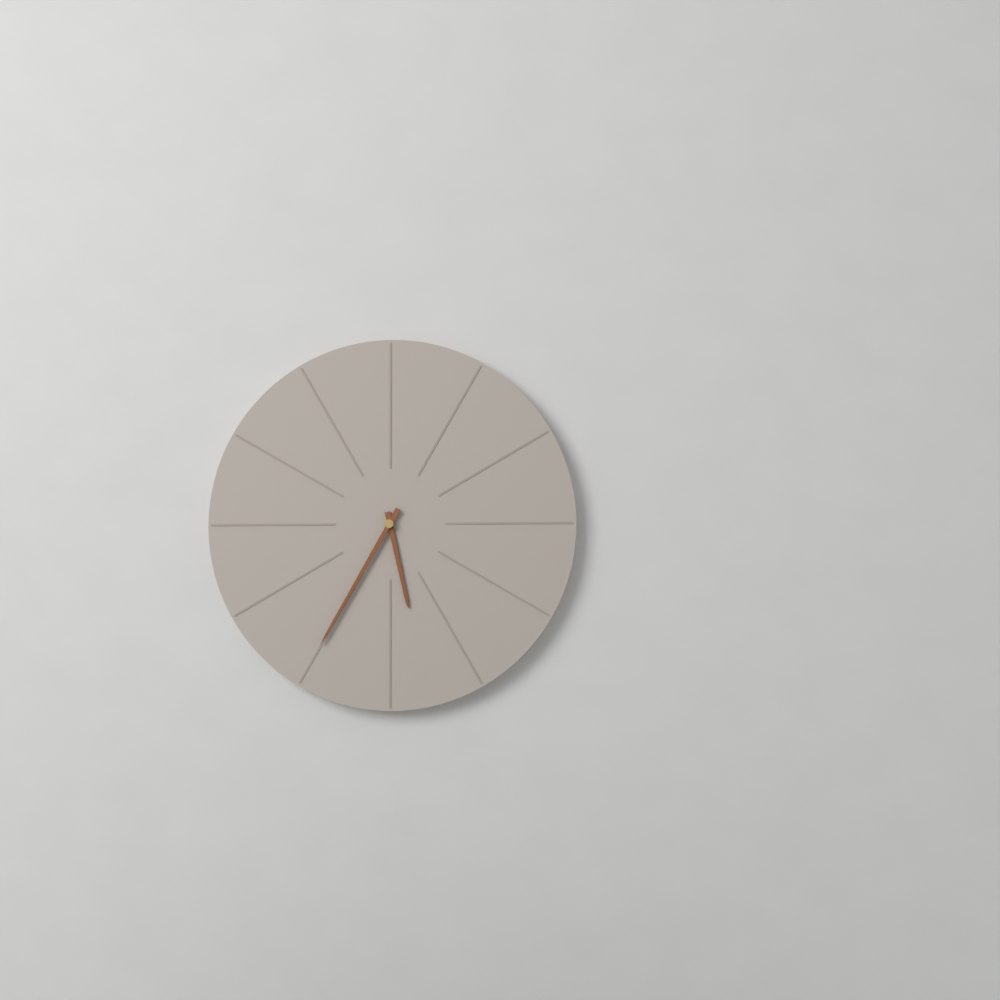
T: 5:35
